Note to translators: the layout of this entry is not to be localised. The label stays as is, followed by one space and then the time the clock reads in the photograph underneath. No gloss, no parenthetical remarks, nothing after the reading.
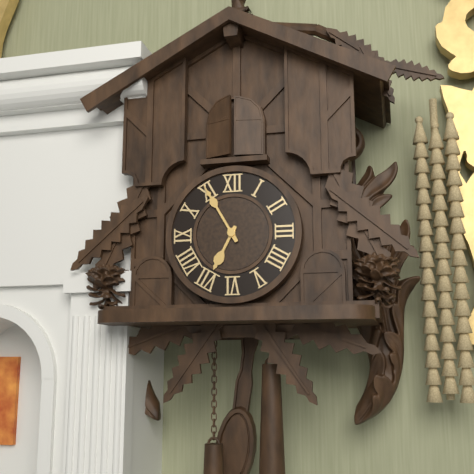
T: 6:55
